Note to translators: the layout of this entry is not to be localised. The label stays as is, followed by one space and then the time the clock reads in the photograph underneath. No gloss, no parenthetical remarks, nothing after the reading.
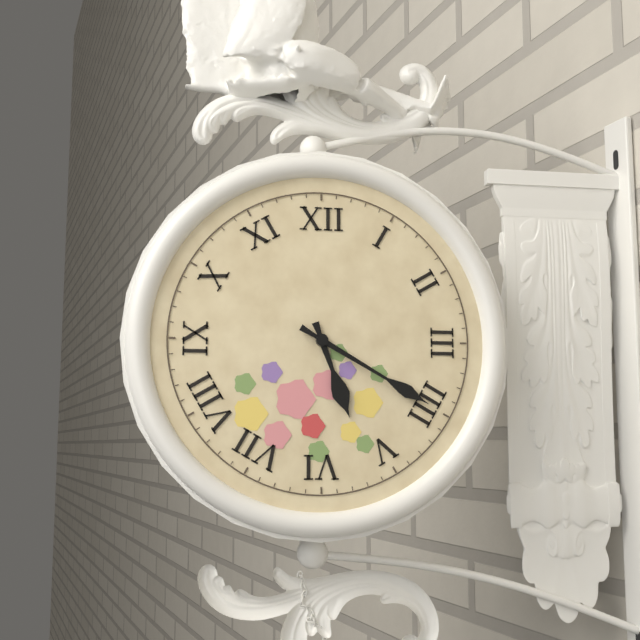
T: 5:20
